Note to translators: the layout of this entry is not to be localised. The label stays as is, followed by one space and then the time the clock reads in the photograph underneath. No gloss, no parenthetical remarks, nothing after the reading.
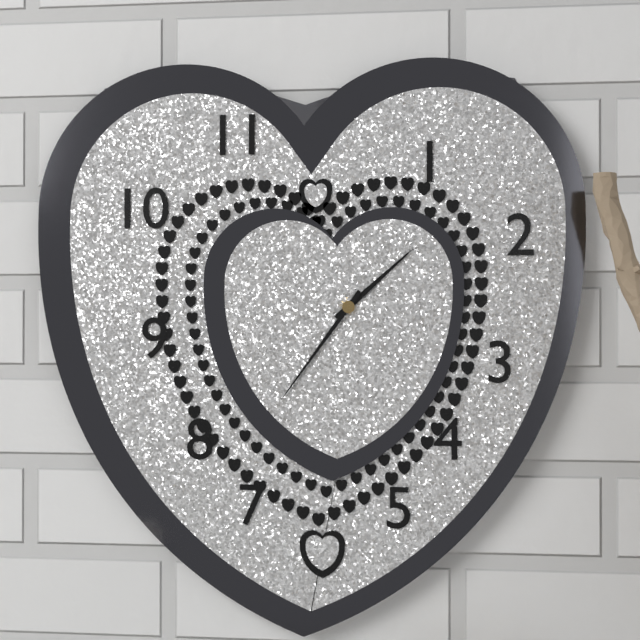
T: 1:36
